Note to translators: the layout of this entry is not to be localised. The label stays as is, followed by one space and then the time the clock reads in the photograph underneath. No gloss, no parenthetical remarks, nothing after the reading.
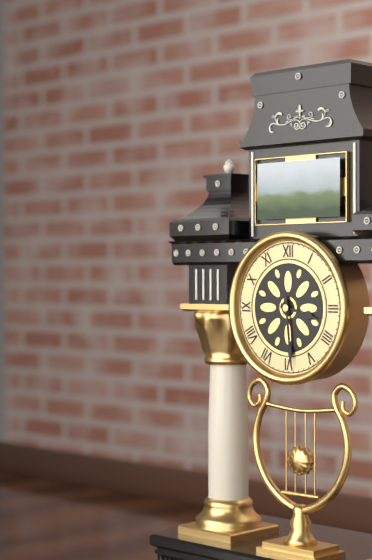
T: 3:29
